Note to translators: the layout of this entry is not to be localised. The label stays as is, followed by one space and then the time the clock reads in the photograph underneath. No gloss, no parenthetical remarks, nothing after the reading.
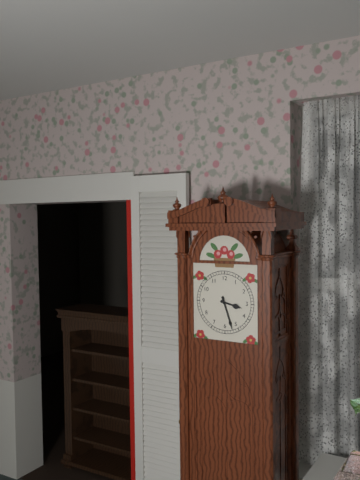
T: 3:27
